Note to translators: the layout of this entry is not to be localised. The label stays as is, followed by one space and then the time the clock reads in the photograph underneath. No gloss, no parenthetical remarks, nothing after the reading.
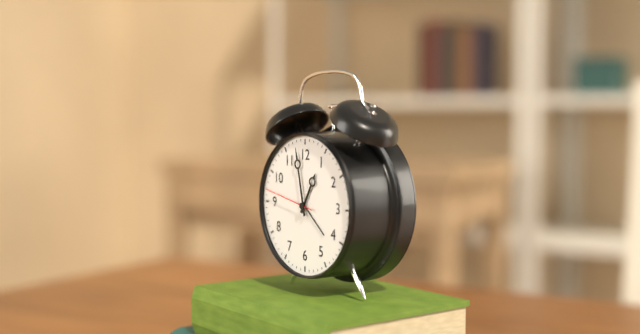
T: 12:58
